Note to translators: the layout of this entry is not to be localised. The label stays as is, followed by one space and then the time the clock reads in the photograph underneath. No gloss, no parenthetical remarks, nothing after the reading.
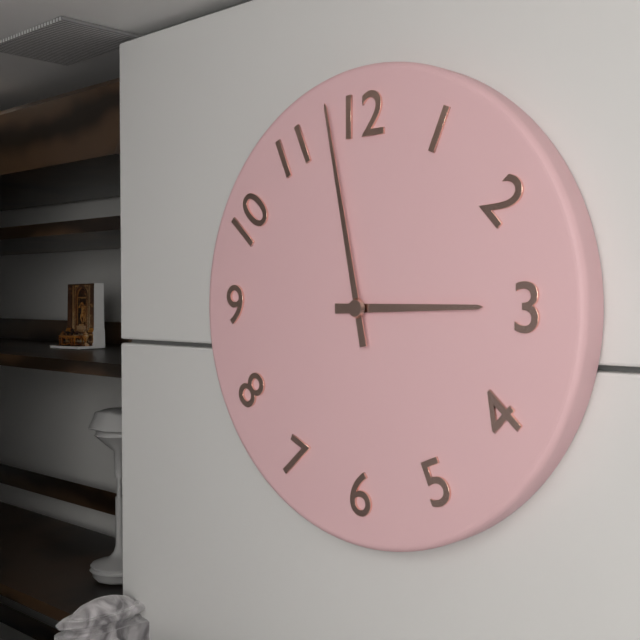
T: 2:58
